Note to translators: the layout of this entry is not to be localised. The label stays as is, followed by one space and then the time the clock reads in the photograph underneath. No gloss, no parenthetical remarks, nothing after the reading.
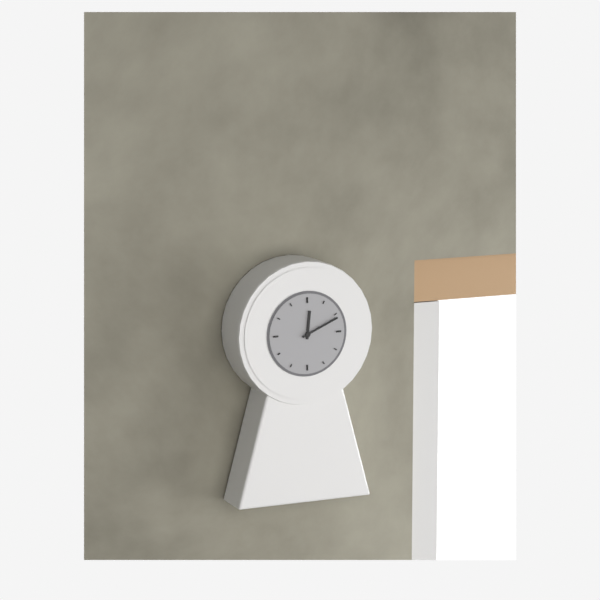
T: 12:11
